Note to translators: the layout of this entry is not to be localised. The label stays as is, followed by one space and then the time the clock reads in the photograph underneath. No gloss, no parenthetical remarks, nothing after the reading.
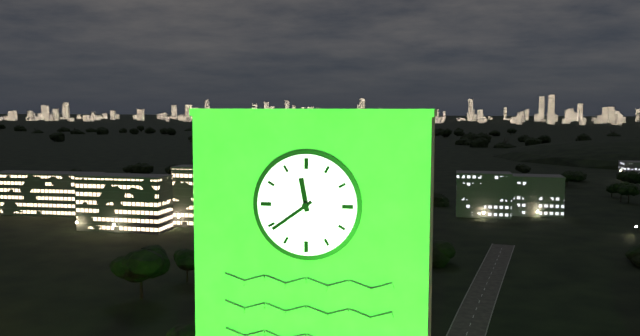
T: 11:39
